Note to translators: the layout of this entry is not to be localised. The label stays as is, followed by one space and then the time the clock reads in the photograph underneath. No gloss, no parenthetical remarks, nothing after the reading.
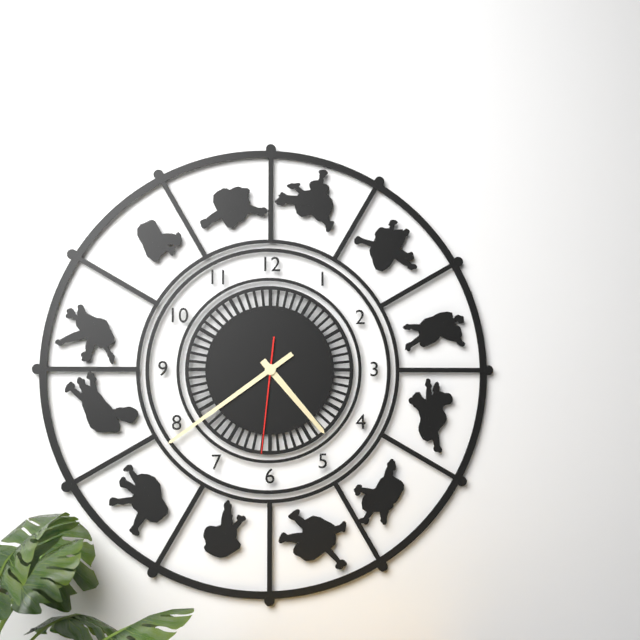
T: 4:39:31
